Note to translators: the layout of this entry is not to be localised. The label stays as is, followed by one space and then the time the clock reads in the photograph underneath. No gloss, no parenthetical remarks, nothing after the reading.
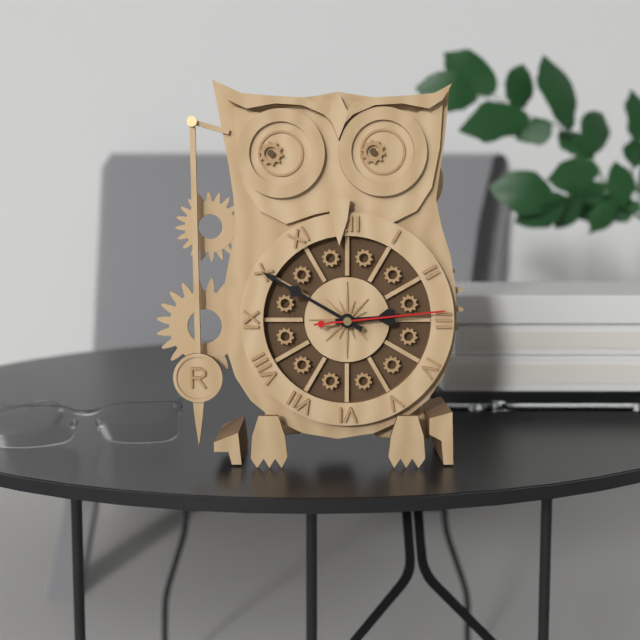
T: 2:50:14
